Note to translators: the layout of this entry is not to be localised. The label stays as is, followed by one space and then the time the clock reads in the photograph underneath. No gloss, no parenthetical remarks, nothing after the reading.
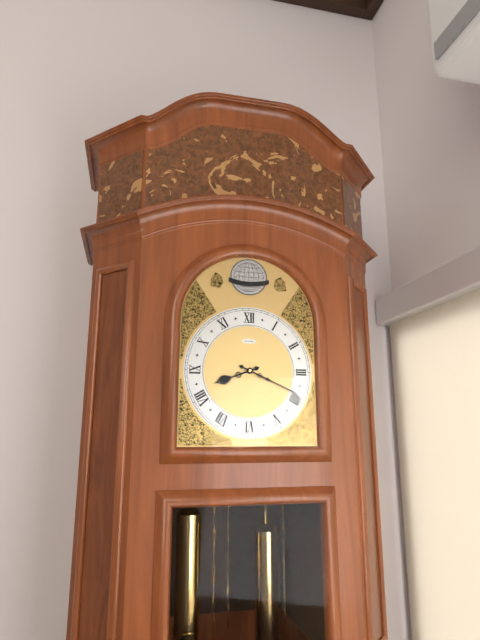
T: 8:19
